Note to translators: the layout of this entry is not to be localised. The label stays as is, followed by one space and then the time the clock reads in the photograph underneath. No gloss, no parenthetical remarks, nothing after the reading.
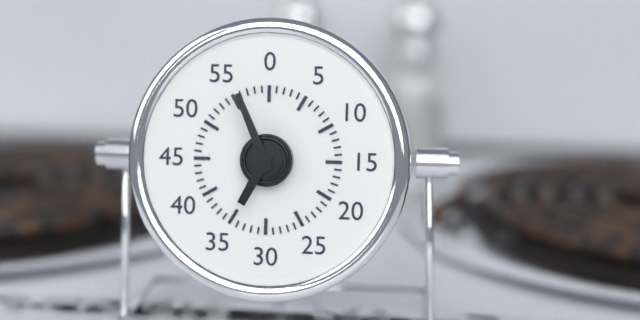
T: 6:56
